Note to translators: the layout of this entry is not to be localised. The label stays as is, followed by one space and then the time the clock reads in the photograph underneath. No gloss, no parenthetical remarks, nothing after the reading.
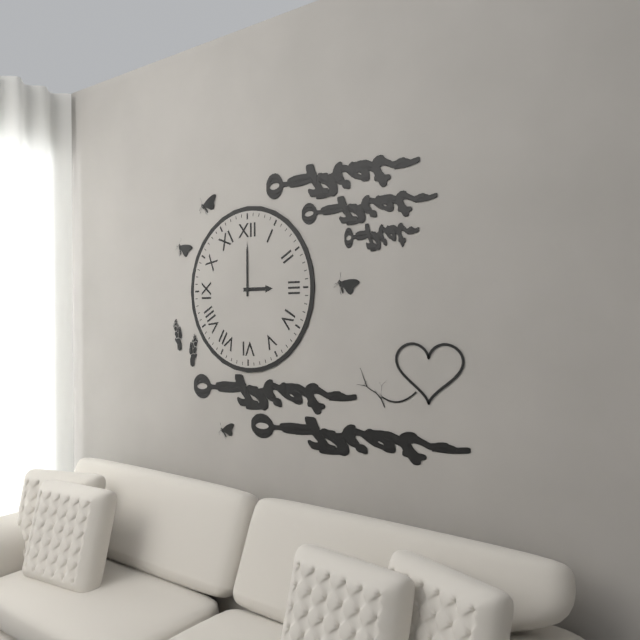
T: 3:00
